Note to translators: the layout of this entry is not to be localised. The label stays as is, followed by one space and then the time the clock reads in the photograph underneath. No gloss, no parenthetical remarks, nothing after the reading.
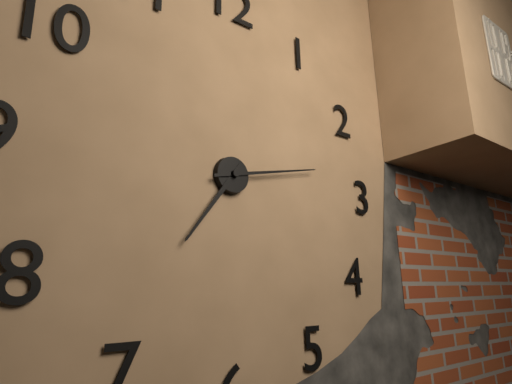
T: 7:13
